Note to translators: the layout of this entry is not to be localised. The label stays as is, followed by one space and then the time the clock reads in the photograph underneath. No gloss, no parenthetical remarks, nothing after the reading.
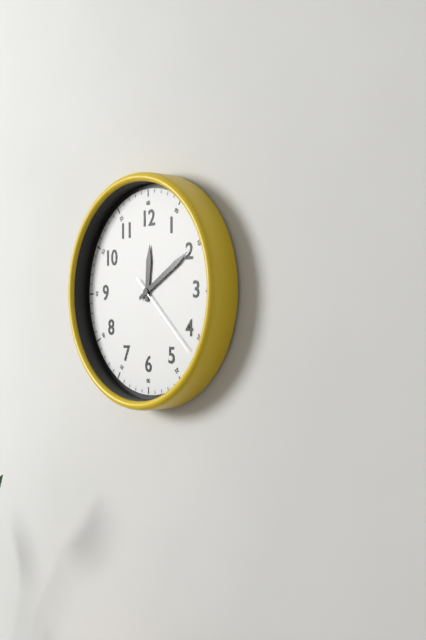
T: 12:10:22
